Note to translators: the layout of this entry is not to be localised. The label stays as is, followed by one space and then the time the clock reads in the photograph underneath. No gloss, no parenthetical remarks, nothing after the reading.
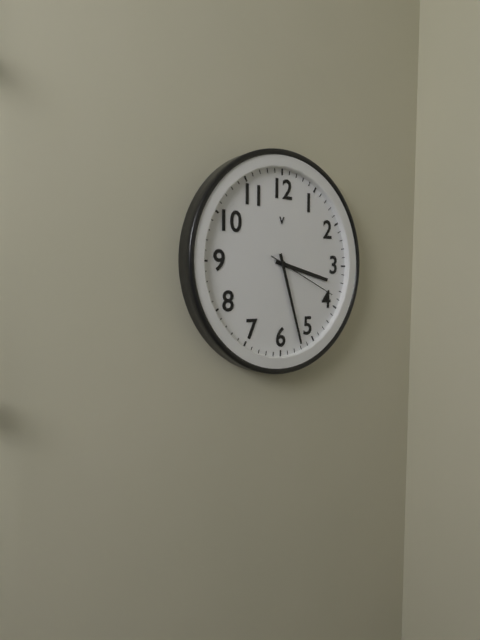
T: 3:27:19
